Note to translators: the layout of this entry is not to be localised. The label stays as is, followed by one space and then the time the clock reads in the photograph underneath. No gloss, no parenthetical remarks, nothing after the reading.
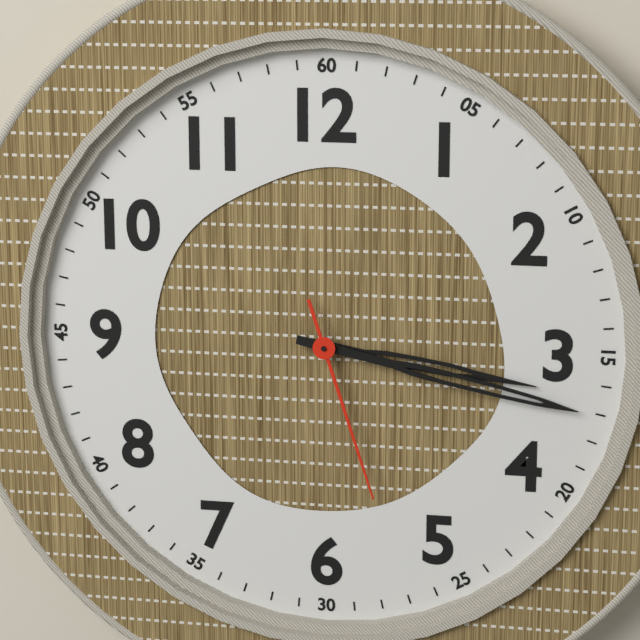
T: 3:17:27
